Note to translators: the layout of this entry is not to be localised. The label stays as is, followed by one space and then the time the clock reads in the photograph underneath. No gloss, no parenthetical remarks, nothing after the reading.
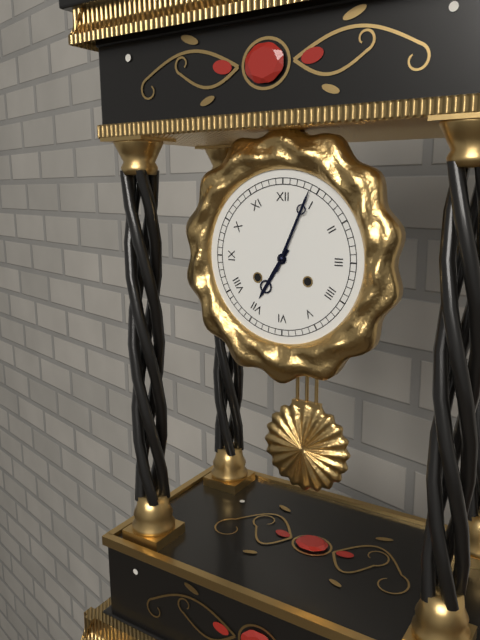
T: 7:04
